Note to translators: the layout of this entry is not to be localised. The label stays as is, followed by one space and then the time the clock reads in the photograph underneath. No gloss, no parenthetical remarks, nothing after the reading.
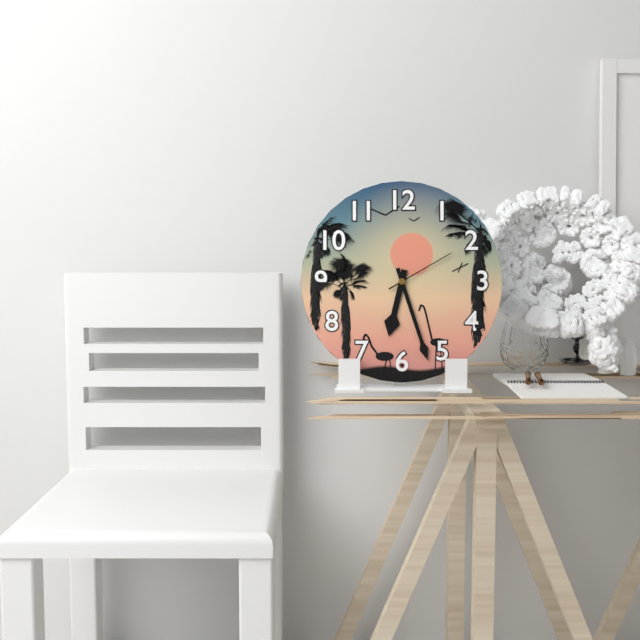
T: 6:27:10
